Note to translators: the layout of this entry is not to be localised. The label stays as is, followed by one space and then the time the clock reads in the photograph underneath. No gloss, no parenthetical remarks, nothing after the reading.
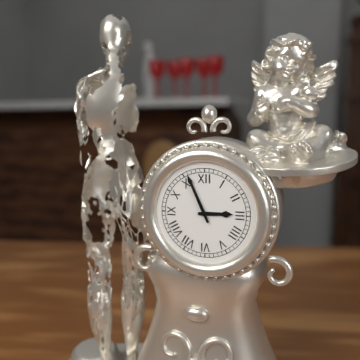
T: 2:56
